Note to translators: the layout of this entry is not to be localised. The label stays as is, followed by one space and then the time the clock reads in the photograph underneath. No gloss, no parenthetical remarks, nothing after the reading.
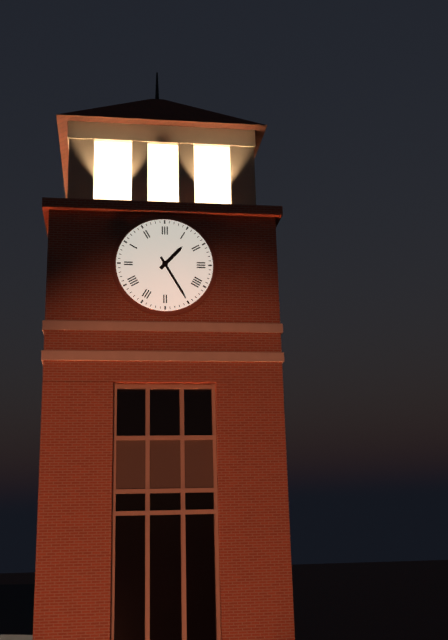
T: 1:25
